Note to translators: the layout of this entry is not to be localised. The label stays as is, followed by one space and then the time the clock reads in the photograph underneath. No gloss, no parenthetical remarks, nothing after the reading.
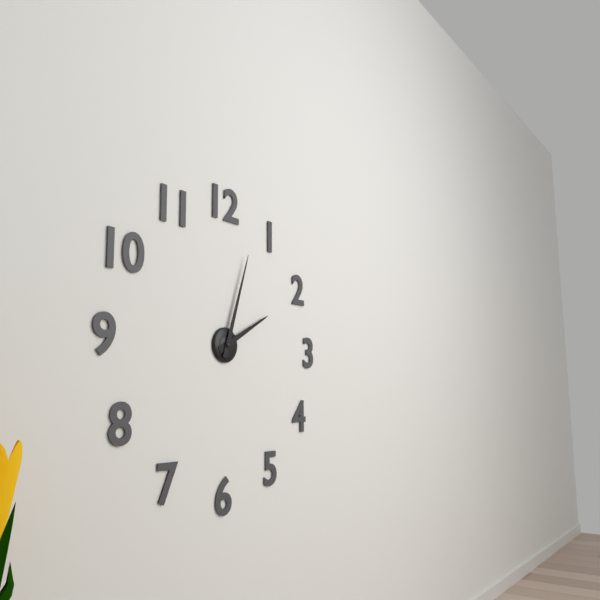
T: 2:03
